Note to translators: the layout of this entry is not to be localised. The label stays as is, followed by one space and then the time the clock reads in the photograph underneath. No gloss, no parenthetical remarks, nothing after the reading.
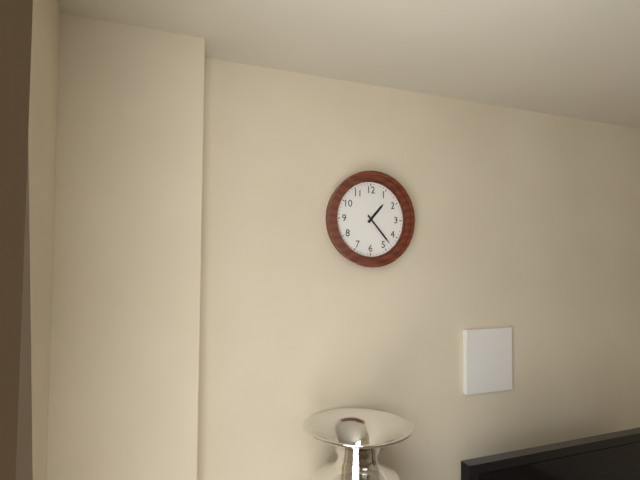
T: 1:23
